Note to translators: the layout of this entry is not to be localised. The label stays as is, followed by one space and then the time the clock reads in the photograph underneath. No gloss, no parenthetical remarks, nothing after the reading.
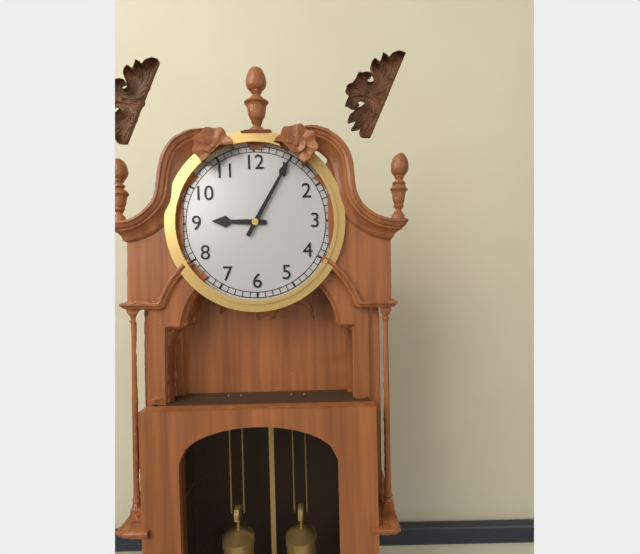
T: 9:05
